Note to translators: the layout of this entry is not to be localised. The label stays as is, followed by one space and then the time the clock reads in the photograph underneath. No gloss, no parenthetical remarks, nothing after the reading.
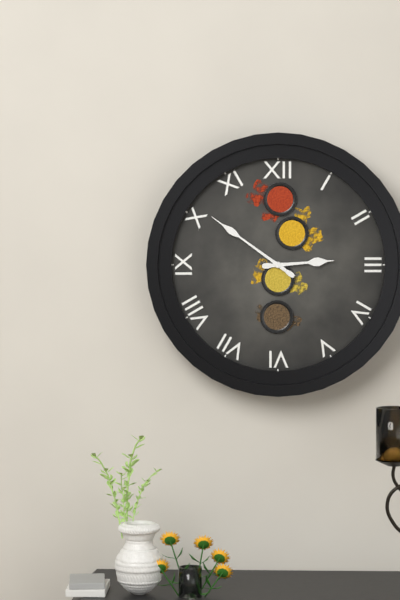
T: 2:51
